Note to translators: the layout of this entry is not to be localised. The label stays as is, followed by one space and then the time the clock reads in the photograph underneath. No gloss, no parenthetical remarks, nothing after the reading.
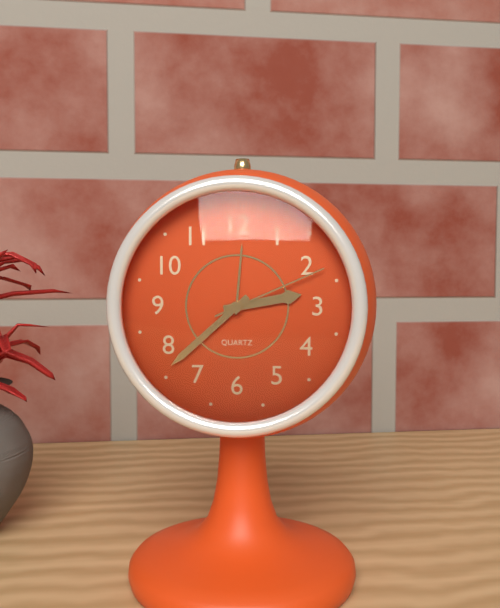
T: 2:38:11
